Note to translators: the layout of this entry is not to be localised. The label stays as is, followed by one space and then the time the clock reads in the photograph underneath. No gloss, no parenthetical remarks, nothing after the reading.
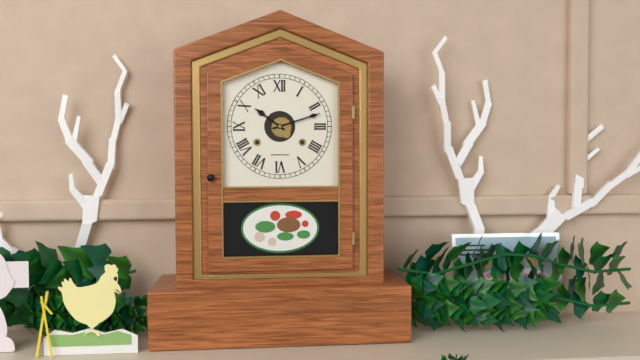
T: 10:12
